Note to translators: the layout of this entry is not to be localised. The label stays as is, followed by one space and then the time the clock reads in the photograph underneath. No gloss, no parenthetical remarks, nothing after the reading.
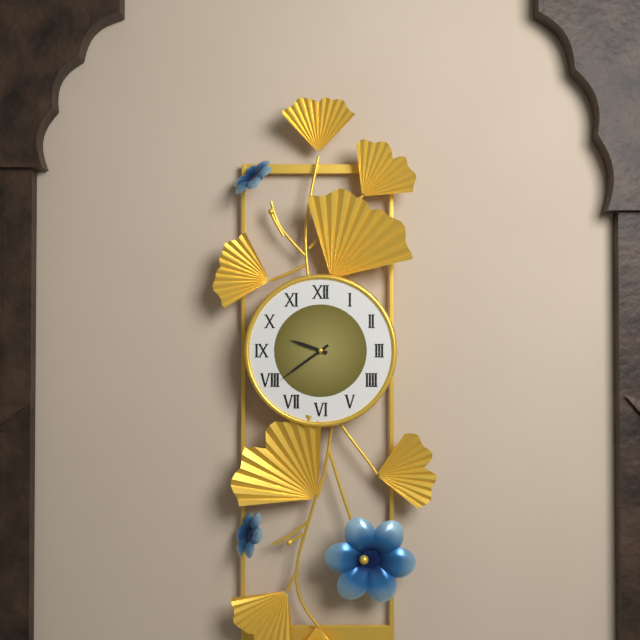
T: 9:39
